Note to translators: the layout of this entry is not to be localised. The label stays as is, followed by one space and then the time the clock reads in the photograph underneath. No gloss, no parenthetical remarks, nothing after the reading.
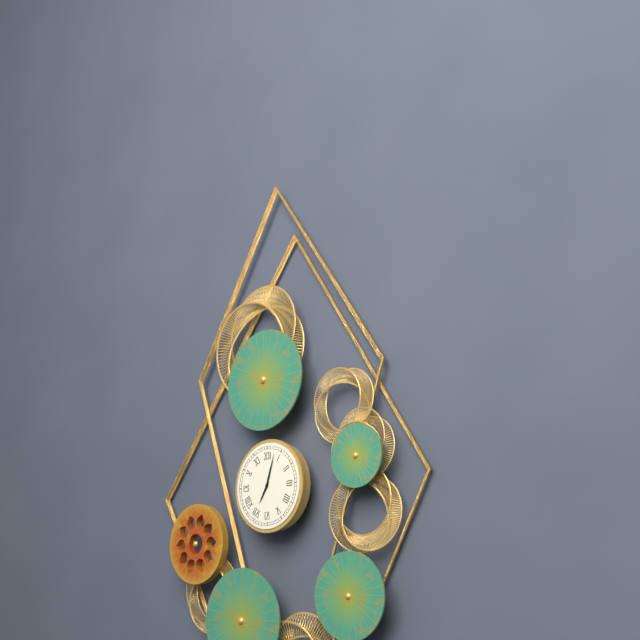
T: 7:03
